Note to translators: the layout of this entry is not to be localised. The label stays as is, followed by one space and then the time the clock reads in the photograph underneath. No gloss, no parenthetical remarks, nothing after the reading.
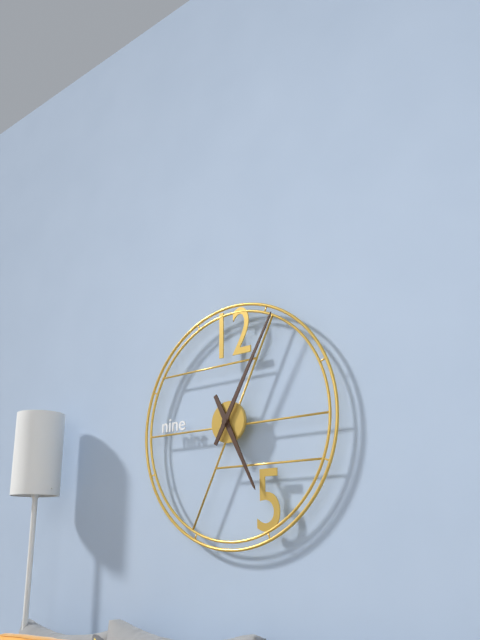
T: 5:05
